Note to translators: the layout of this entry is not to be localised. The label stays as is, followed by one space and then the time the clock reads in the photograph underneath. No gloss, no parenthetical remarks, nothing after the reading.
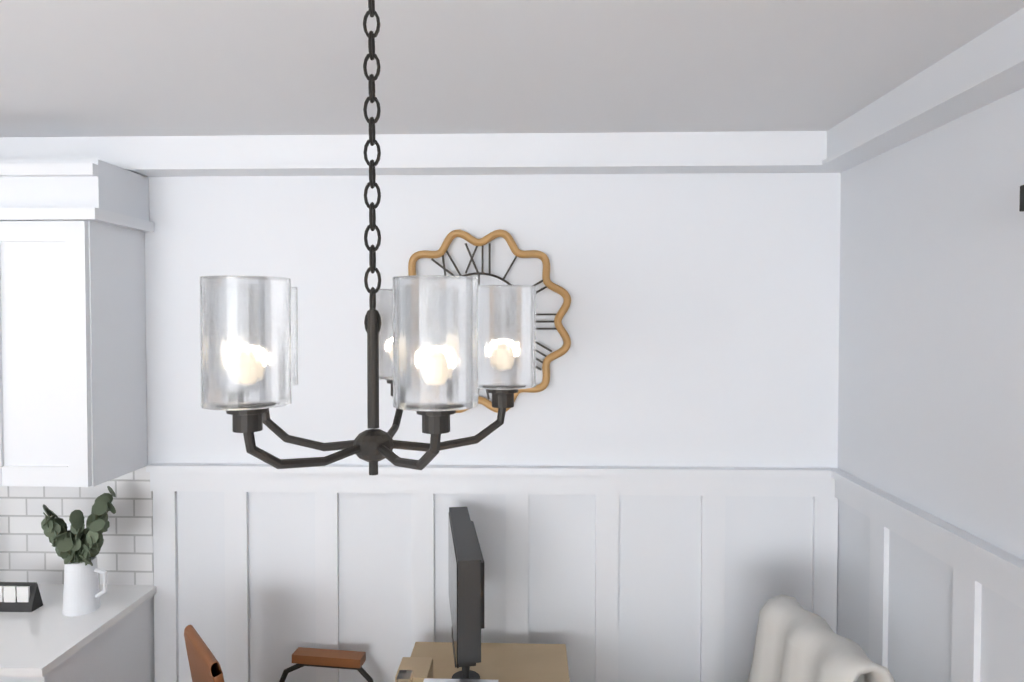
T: 9:49
